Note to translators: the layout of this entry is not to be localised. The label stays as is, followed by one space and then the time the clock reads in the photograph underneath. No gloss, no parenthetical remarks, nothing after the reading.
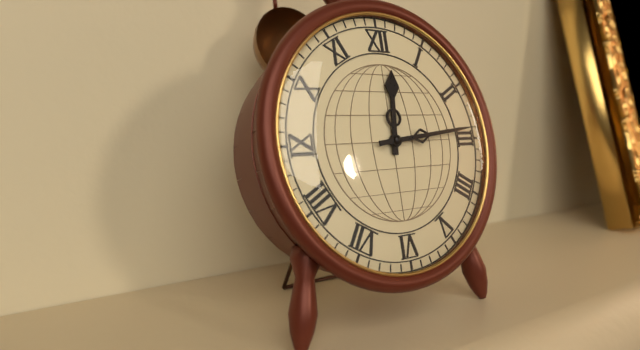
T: 12:14
